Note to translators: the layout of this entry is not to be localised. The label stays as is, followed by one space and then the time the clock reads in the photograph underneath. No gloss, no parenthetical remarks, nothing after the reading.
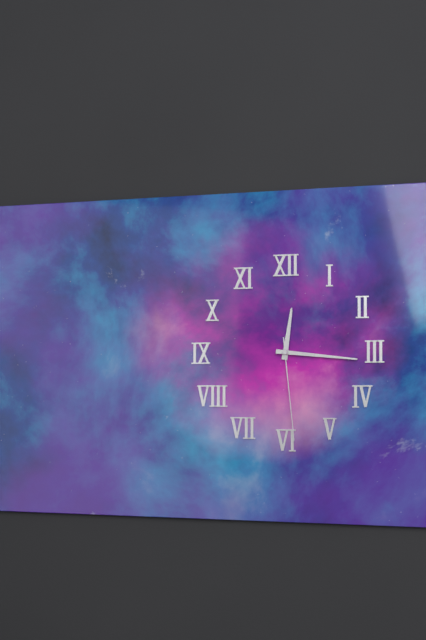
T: 12:16:29
